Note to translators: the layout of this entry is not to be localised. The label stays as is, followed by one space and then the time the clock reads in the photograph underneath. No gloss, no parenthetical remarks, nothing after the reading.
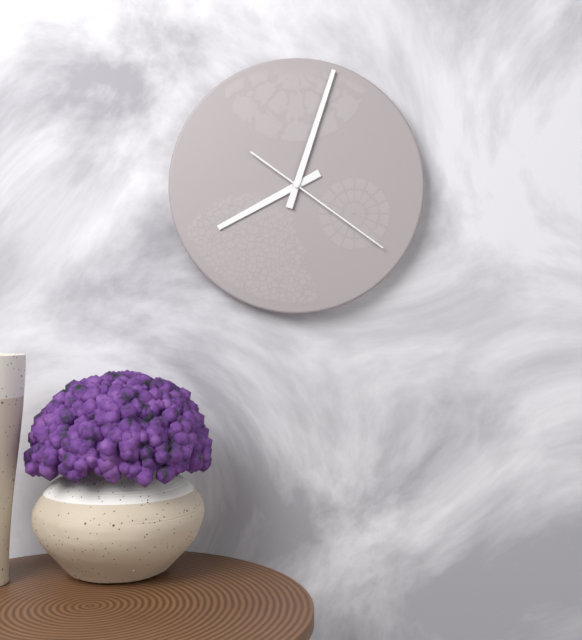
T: 8:03:21
